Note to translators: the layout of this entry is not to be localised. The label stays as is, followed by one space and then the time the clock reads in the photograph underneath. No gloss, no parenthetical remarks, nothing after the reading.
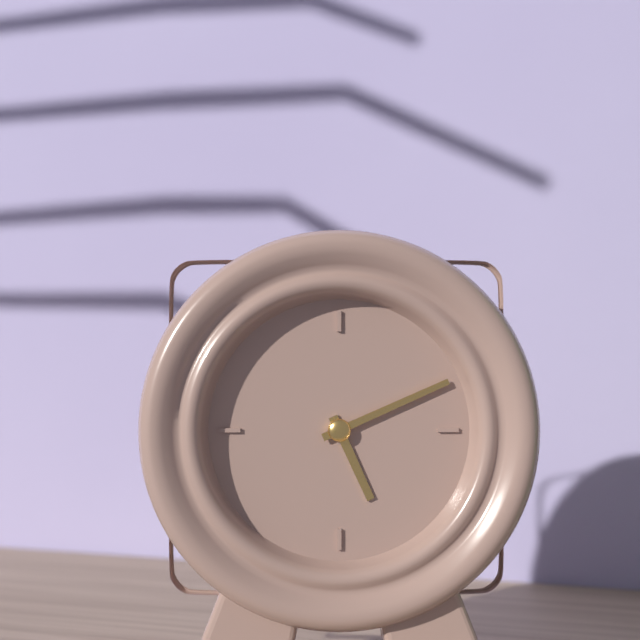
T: 5:11
